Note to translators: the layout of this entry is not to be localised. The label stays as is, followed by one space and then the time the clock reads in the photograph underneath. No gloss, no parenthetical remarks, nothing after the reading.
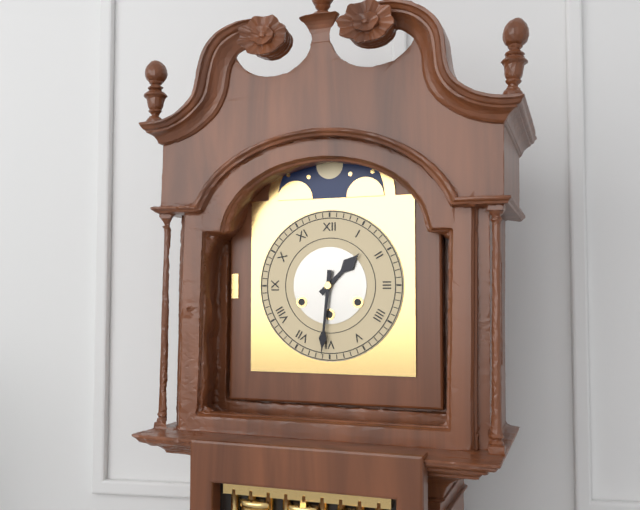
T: 1:31
